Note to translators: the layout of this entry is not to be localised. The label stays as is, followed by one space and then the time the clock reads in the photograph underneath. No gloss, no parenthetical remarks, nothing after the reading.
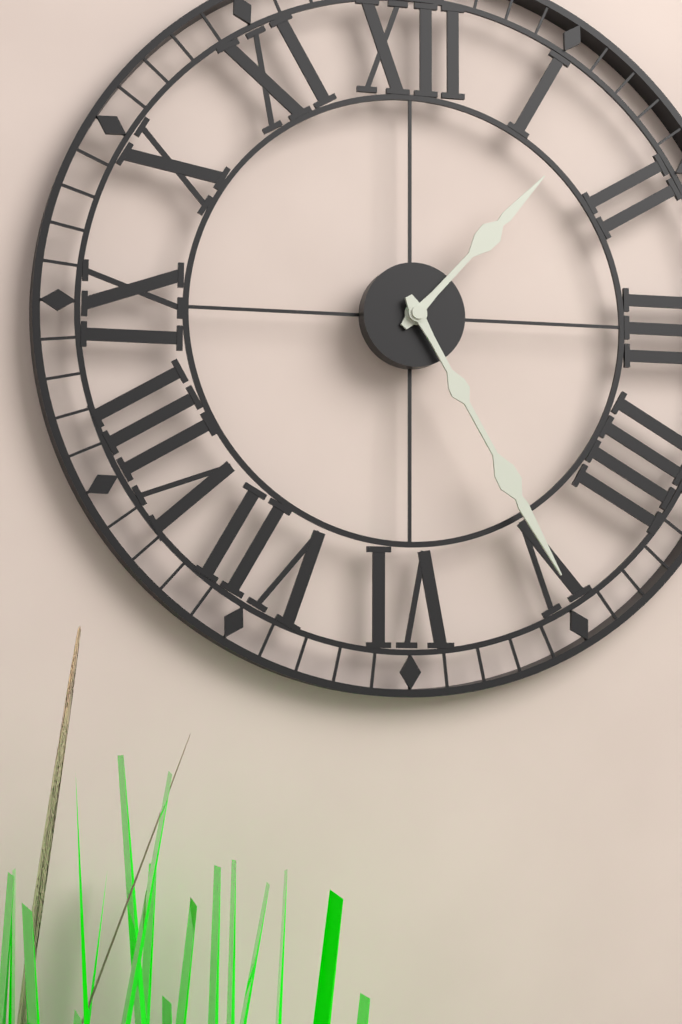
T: 1:25
